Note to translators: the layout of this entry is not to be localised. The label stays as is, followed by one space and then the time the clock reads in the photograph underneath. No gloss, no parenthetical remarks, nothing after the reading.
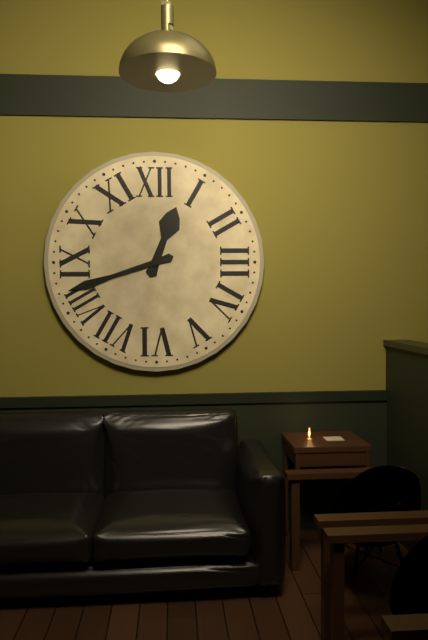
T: 12:42
